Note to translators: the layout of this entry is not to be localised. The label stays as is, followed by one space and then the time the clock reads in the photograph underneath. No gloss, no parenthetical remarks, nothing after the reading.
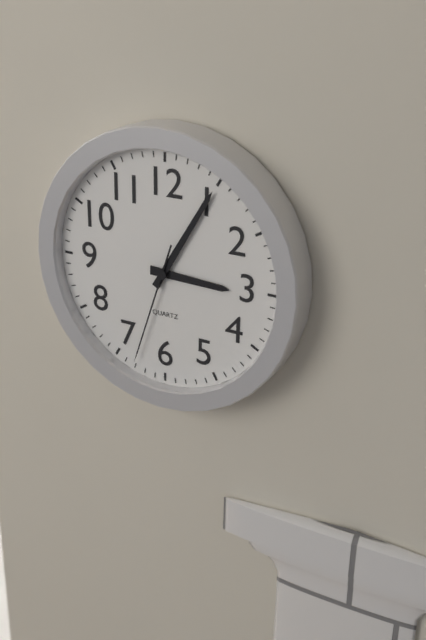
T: 3:05:33
